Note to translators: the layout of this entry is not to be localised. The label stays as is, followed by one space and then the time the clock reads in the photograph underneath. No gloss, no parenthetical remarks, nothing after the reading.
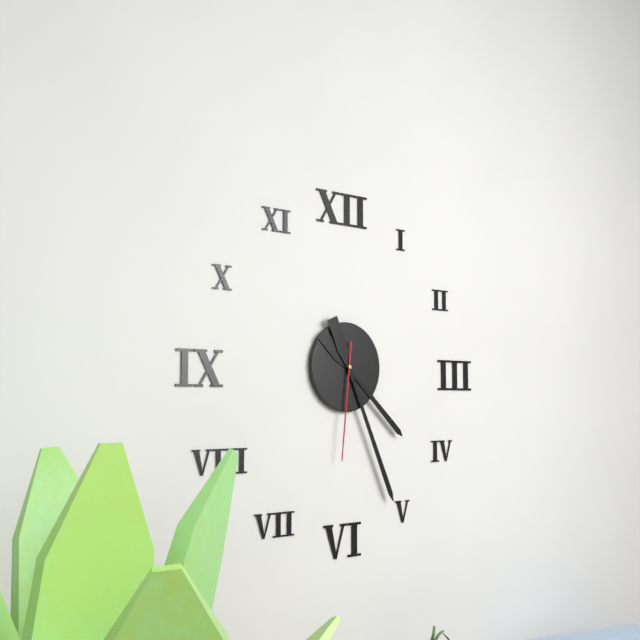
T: 4:26:31
